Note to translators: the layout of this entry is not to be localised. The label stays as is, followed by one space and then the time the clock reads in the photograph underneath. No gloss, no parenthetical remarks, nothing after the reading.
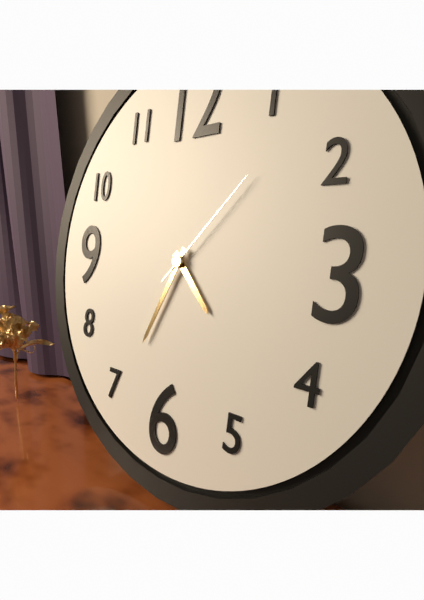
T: 4:34:07
